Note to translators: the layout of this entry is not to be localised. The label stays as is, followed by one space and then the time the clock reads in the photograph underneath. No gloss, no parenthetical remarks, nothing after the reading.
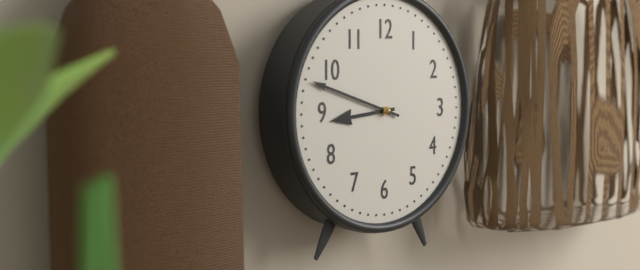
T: 8:48
